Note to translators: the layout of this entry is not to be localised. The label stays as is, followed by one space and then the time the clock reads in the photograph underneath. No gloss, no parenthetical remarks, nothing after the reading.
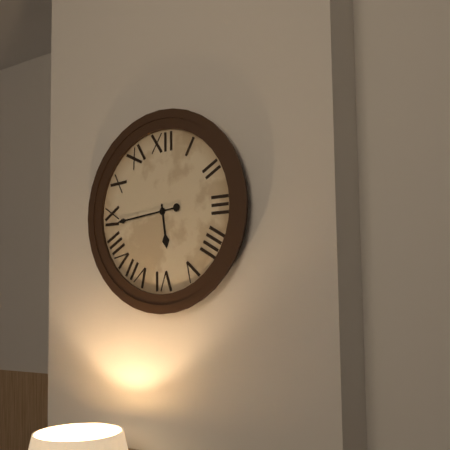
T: 5:44
